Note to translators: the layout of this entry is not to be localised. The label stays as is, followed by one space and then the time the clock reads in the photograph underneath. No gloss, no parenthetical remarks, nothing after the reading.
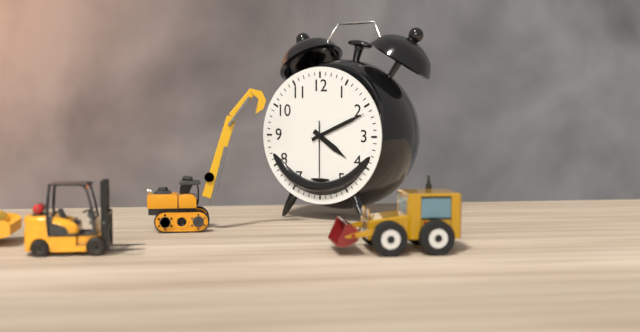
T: 4:11:30
